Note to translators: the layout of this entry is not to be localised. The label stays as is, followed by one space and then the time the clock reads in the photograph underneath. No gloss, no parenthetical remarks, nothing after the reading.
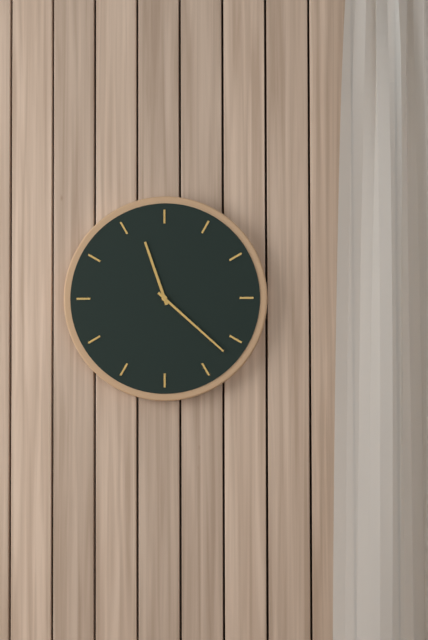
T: 11:22
